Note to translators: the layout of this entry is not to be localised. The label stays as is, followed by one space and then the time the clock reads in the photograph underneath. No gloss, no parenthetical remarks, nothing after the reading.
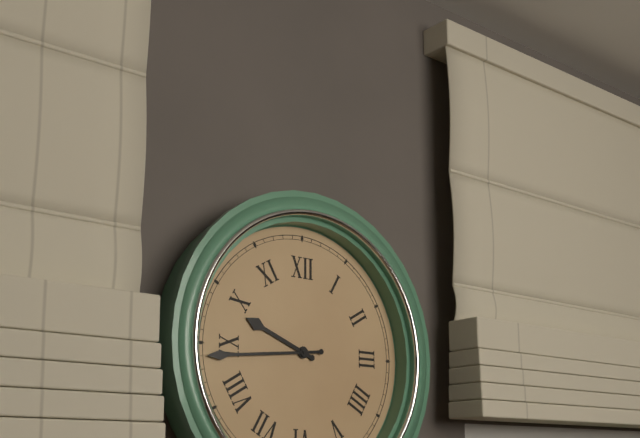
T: 9:44
